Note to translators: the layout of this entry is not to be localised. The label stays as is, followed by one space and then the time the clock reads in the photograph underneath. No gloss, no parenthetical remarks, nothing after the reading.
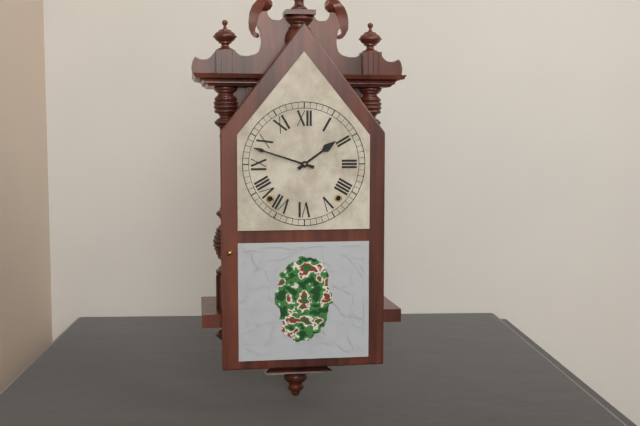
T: 1:48
